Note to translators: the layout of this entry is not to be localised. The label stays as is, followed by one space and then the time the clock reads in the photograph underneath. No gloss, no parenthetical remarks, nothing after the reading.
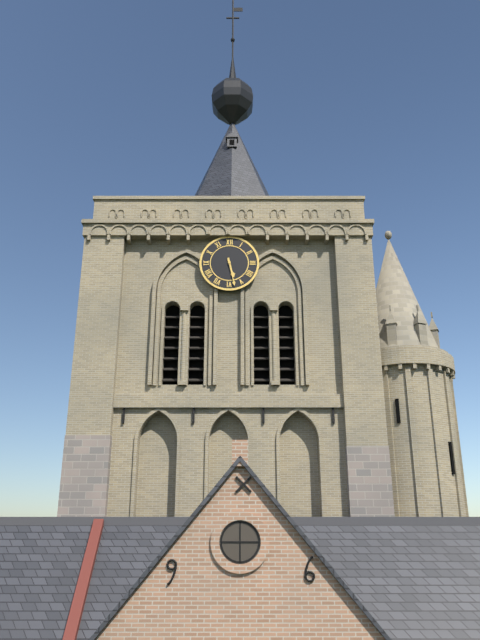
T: 5:28
